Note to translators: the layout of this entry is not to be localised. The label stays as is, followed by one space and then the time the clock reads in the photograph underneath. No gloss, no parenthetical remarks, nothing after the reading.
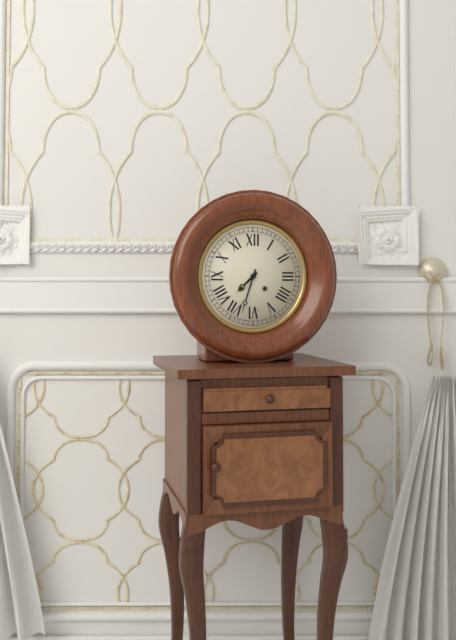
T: 7:33
